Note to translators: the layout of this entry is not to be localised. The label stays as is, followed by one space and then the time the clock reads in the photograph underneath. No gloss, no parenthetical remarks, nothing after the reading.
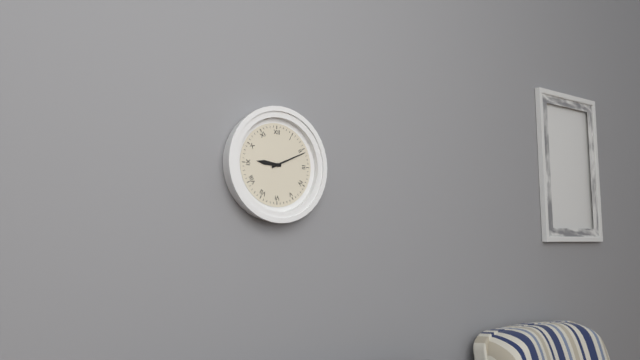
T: 9:11
